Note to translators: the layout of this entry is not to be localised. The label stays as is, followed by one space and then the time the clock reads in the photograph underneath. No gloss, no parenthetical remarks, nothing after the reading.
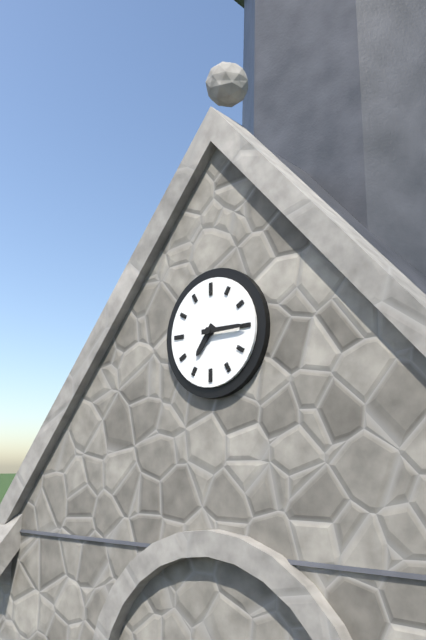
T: 7:15
